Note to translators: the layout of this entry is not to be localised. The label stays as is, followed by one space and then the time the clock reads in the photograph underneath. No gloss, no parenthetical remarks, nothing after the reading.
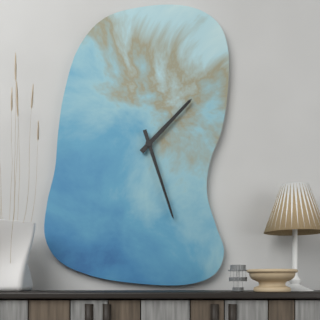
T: 1:27
